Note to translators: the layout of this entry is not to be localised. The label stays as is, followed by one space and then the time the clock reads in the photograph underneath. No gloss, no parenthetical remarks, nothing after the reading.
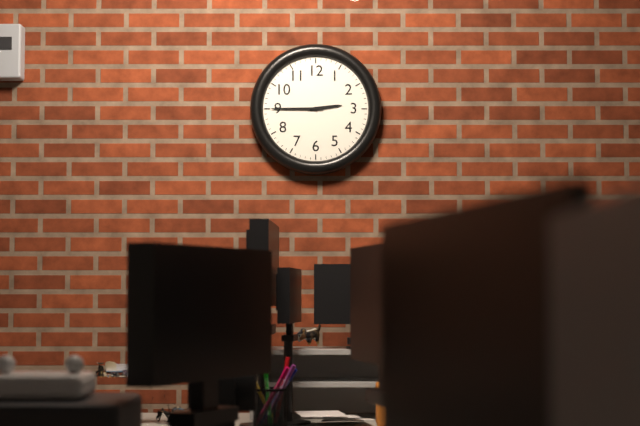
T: 2:45
